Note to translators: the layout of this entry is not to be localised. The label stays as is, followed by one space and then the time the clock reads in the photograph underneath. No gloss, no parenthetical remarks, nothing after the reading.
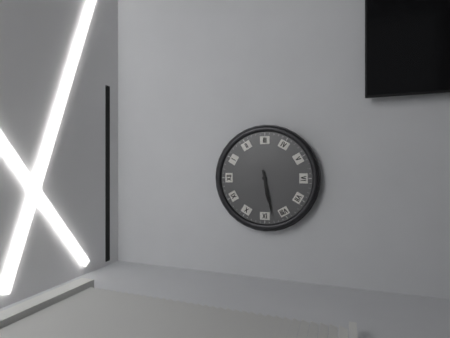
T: 8:43
